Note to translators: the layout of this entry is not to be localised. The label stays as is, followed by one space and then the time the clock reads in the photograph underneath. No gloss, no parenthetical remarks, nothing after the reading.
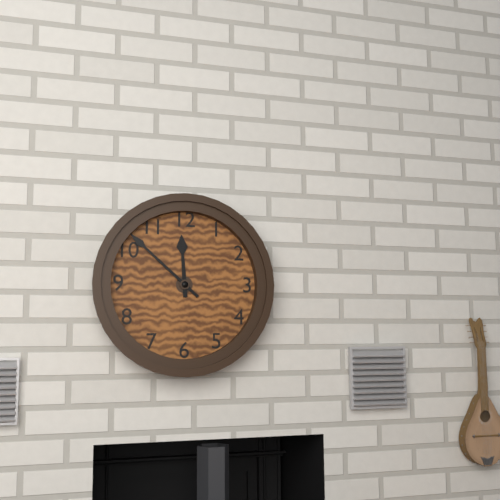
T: 11:52
